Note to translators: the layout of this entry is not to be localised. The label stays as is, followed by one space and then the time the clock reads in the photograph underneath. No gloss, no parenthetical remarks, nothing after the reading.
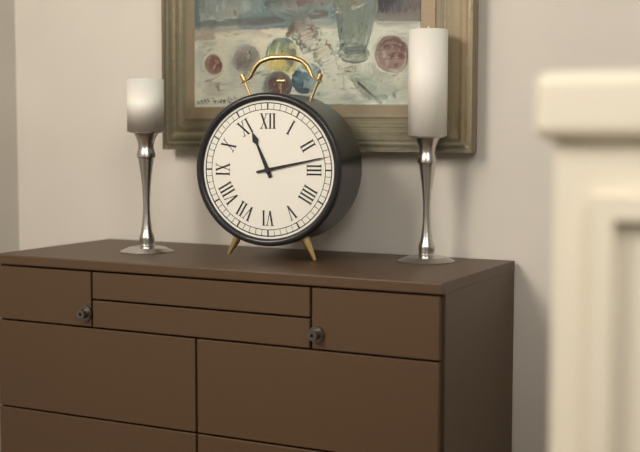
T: 11:13
